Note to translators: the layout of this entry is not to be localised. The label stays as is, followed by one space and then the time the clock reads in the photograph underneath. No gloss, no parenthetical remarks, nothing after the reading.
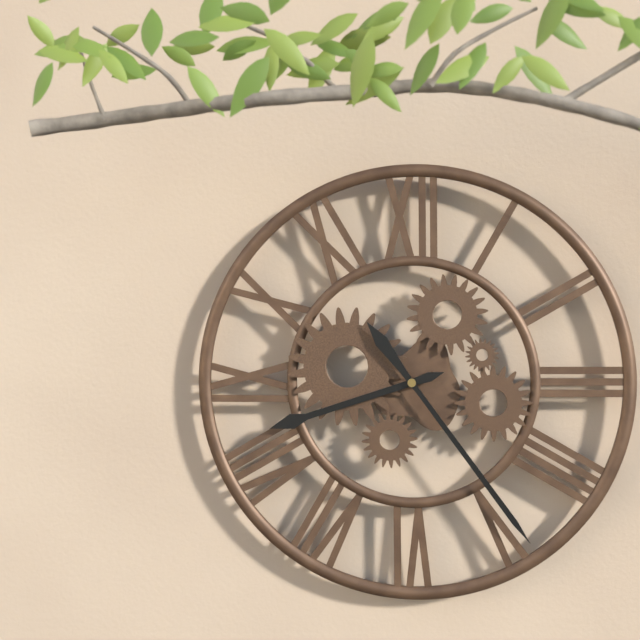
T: 8:24
